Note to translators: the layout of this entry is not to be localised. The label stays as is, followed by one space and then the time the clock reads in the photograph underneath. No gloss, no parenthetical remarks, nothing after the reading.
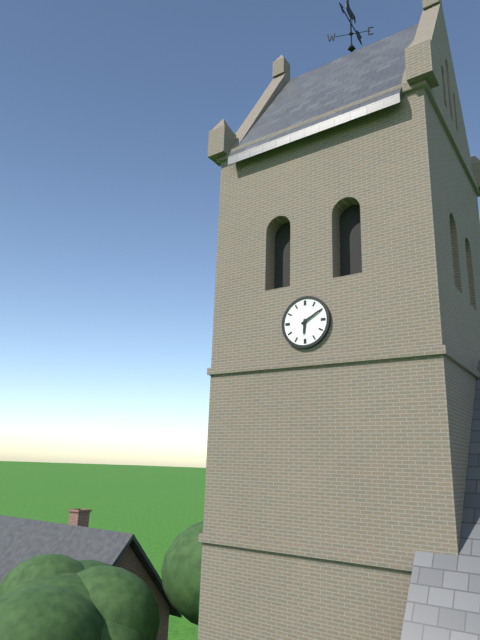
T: 6:10
